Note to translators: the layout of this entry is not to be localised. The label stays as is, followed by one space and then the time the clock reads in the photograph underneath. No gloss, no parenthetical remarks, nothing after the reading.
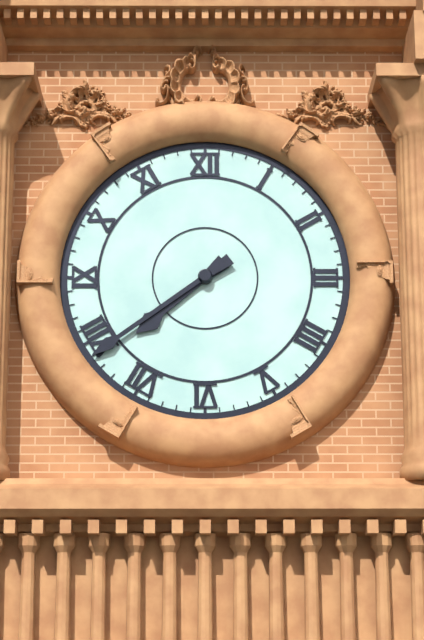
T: 7:39
